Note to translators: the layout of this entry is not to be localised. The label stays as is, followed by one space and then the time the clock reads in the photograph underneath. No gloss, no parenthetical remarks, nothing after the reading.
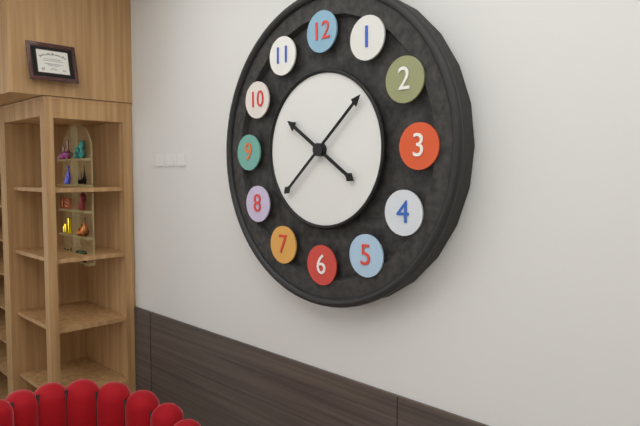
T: 10:08
